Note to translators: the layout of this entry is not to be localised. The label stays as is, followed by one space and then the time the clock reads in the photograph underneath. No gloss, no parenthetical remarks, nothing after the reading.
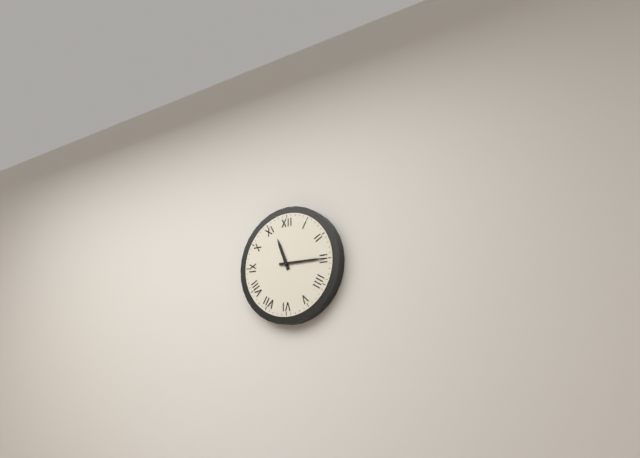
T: 11:15
